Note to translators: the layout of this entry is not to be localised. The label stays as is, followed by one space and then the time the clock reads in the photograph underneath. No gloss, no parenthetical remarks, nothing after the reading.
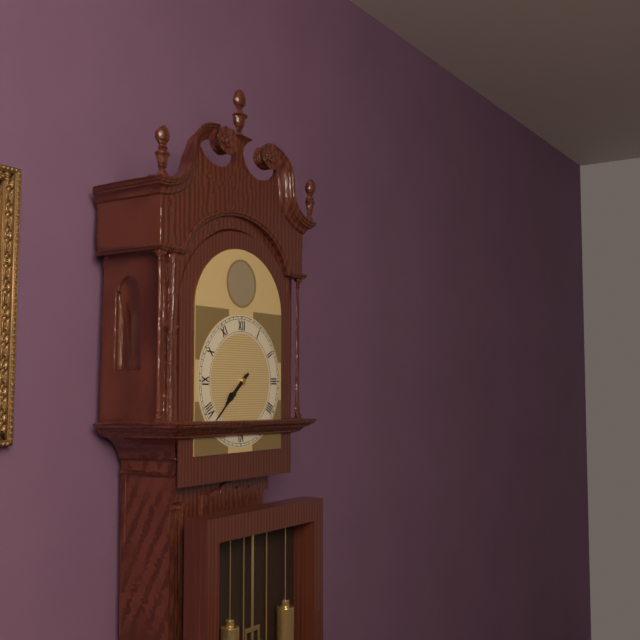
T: 7:38
